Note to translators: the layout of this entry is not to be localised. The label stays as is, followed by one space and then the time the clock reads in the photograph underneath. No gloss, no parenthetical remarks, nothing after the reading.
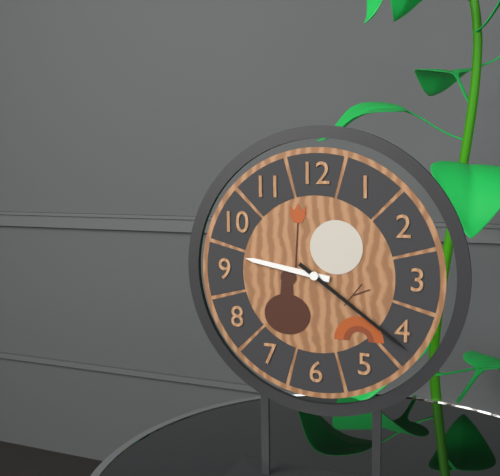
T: 9:21
